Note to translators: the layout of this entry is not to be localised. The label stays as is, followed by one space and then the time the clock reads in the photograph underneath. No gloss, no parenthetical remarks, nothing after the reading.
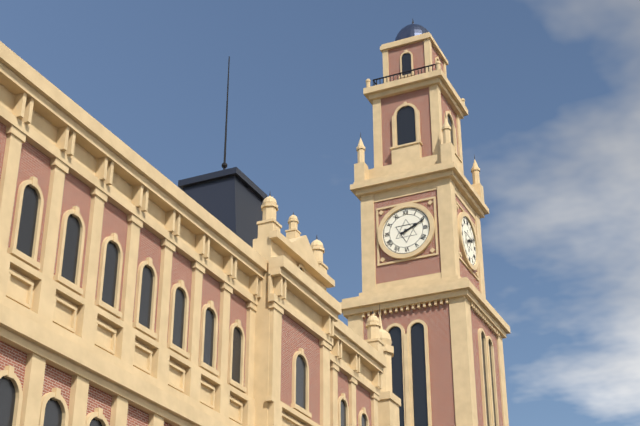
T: 2:11
